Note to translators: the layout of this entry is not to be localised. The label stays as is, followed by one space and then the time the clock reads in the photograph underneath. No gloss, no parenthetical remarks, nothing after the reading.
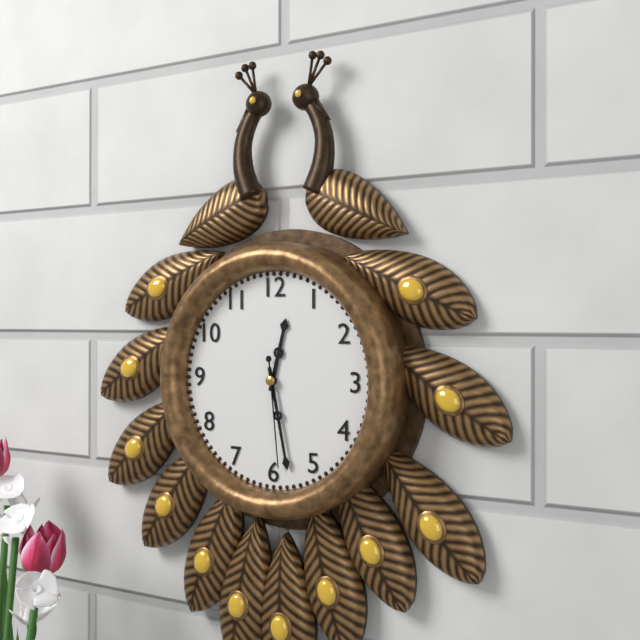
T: 12:28:29
